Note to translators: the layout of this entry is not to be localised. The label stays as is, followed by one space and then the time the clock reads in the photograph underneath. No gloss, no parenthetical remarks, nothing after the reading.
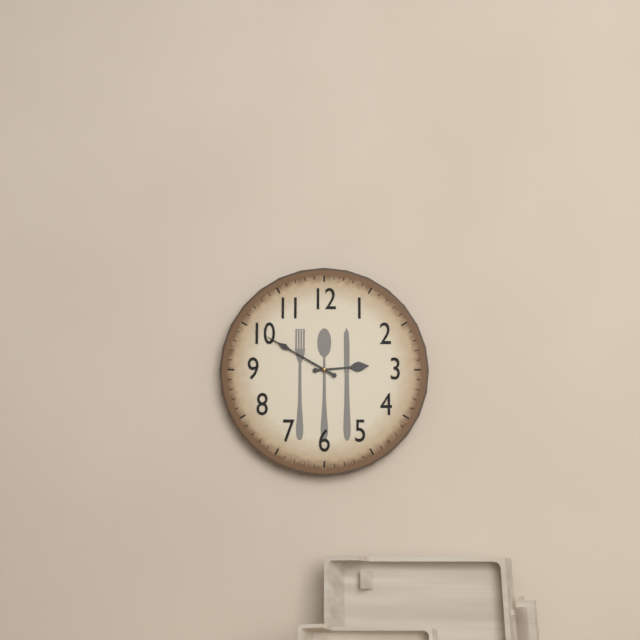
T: 2:50
